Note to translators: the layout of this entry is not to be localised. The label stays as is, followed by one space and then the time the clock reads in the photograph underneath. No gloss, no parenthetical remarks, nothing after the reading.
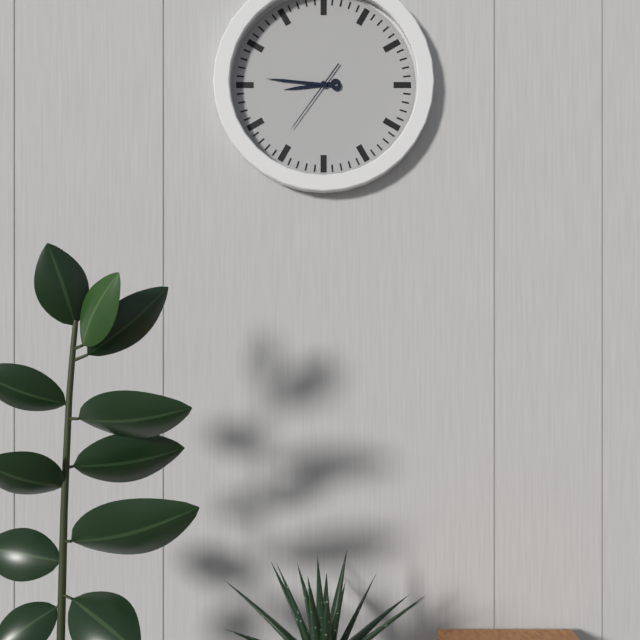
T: 8:46:36
